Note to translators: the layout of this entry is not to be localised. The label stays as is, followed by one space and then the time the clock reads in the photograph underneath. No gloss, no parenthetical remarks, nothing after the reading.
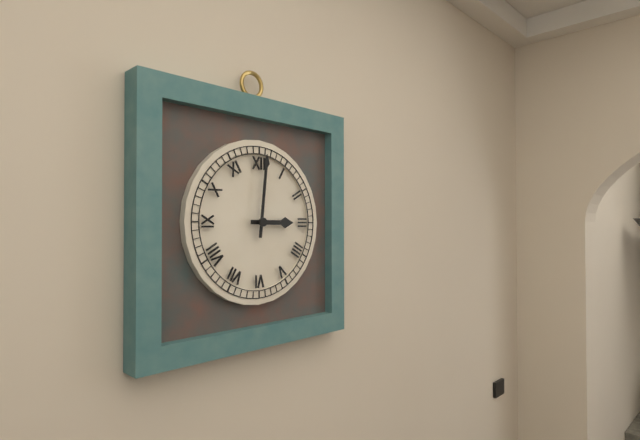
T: 3:01
